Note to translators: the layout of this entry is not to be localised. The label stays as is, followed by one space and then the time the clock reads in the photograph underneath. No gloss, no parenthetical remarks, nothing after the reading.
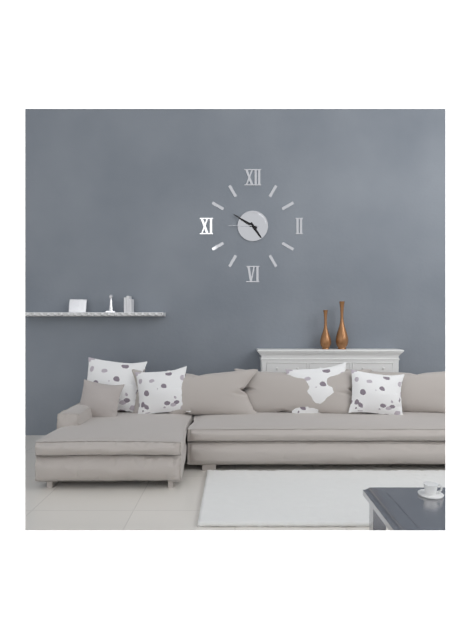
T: 4:50
